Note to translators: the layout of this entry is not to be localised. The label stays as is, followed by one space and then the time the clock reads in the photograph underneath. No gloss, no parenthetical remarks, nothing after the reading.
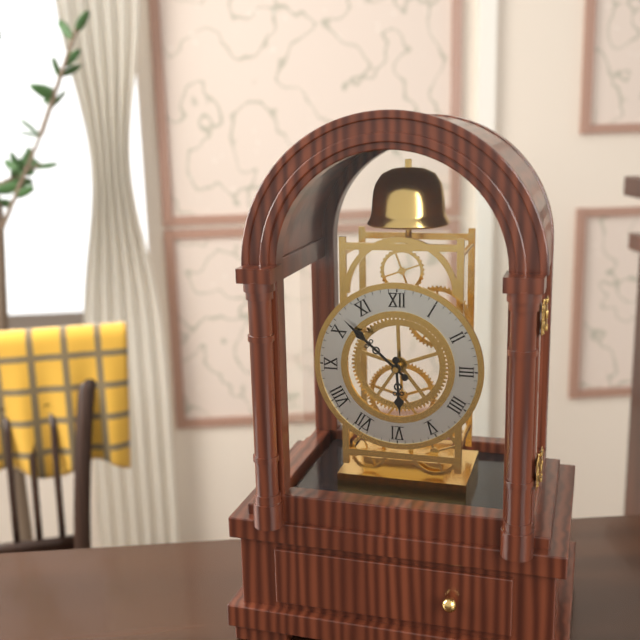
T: 5:52
